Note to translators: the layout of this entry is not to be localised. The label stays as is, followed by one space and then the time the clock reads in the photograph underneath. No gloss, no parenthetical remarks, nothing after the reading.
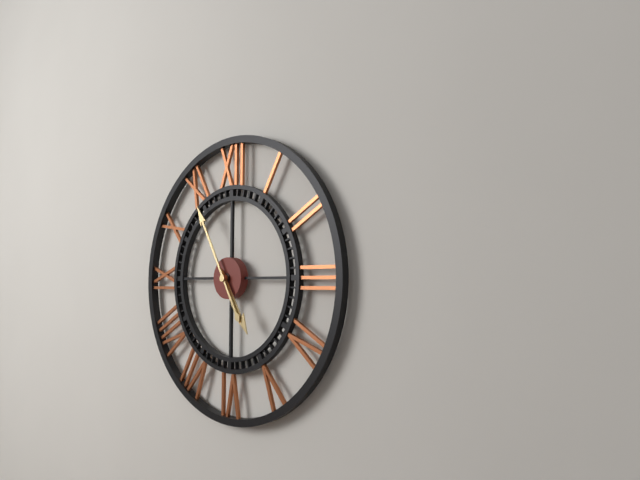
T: 4:55
